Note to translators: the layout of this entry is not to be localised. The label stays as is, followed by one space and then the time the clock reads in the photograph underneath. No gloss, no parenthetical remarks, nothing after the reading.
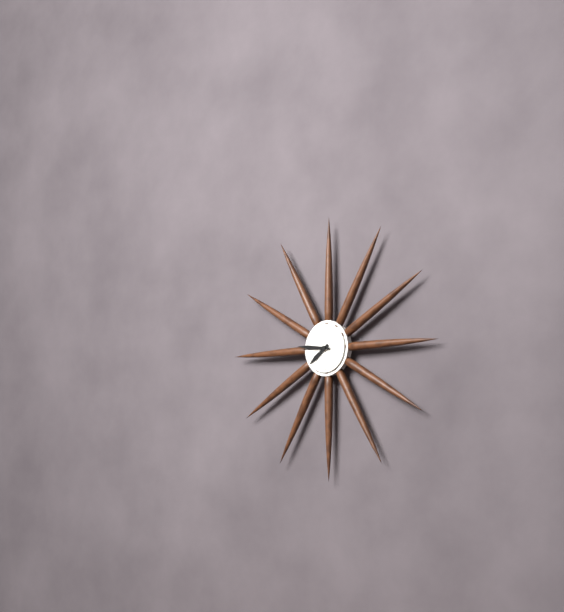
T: 7:46
